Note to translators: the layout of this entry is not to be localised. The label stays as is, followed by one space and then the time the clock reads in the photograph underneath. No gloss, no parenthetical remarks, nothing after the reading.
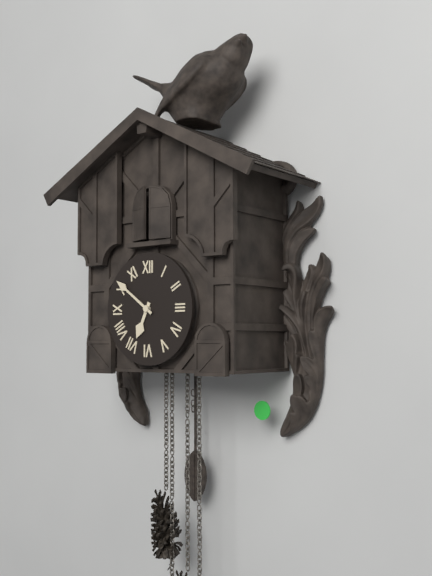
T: 6:51
